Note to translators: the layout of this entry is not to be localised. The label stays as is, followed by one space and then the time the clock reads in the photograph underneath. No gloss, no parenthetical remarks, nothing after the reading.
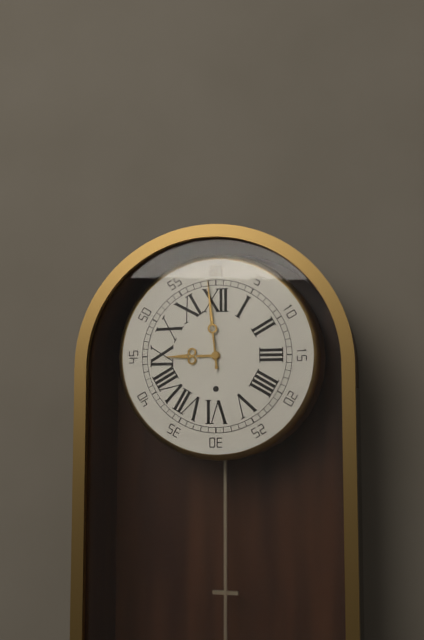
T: 8:59
